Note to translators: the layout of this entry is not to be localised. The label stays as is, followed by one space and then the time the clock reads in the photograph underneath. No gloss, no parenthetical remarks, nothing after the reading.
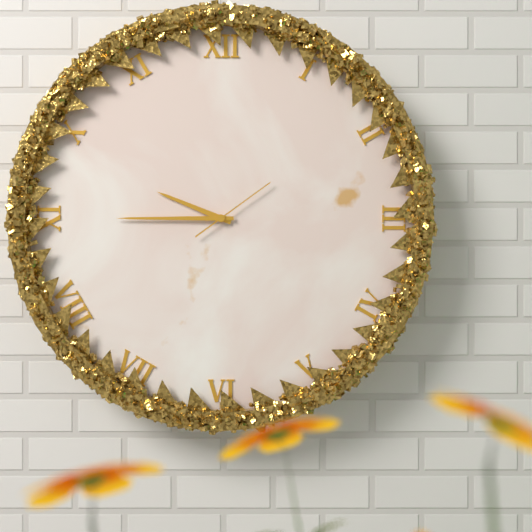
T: 9:45:09
